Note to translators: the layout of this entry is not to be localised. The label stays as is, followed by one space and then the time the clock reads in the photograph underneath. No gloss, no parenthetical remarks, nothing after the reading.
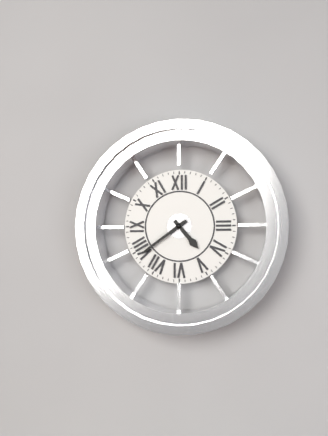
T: 4:39
